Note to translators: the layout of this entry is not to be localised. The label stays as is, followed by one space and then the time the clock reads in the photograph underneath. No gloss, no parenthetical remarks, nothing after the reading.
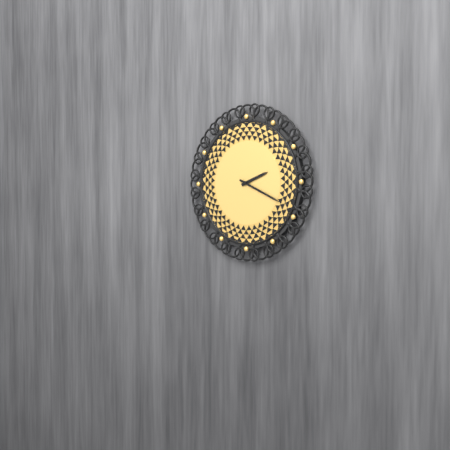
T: 2:19
